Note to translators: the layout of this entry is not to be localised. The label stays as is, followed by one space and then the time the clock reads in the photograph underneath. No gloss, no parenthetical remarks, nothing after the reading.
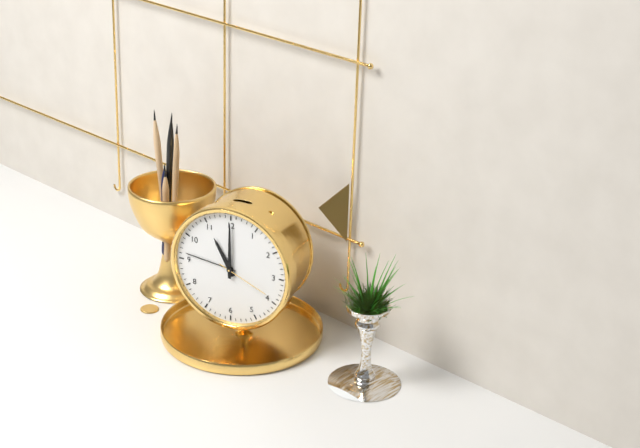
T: 11:00:19
